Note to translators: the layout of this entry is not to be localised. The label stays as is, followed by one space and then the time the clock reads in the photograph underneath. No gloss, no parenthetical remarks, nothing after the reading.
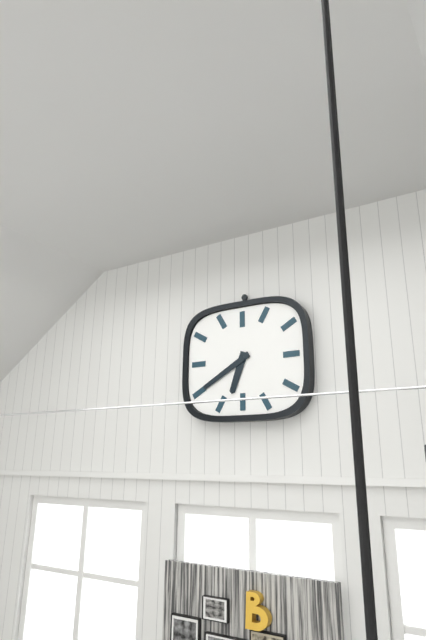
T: 6:40
